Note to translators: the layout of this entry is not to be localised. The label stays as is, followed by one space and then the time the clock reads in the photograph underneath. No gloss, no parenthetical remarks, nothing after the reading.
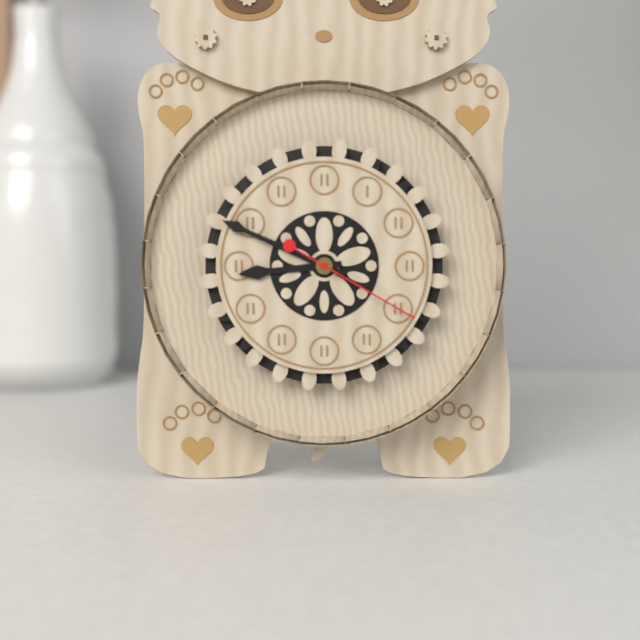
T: 8:49:20
